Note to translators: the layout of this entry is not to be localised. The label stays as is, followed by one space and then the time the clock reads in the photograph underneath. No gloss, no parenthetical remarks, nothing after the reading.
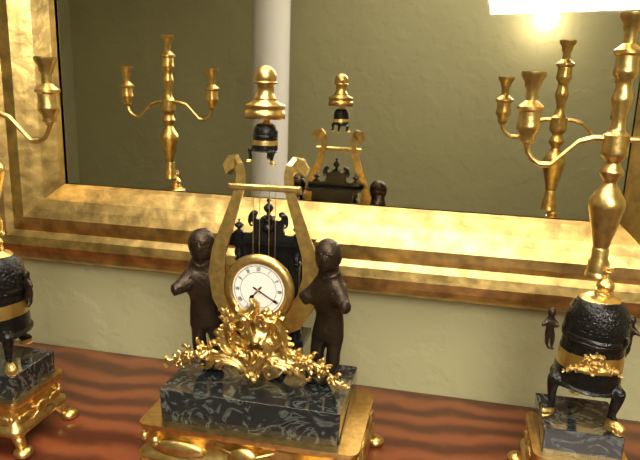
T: 7:20
